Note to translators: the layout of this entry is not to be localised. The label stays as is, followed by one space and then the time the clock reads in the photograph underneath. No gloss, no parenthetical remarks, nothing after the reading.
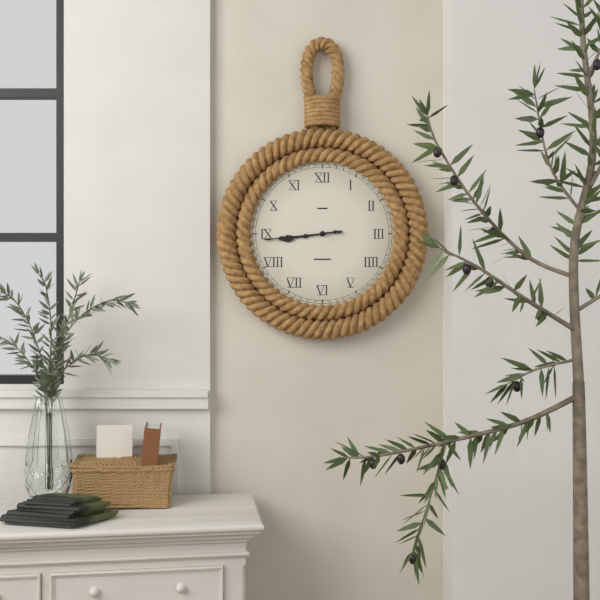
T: 8:44
